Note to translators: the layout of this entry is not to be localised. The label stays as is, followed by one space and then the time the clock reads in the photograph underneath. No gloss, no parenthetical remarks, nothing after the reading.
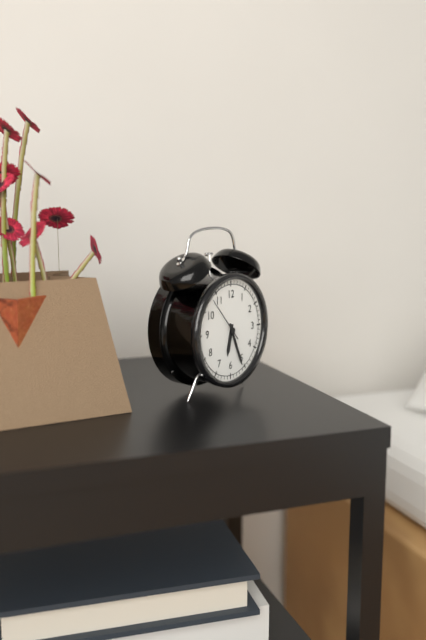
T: 6:26
